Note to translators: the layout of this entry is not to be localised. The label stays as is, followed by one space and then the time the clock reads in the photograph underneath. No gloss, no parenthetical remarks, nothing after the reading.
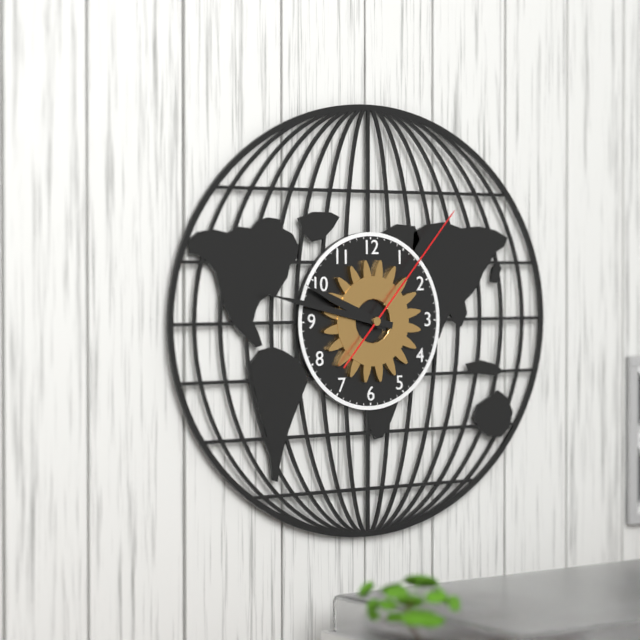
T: 9:47:07
